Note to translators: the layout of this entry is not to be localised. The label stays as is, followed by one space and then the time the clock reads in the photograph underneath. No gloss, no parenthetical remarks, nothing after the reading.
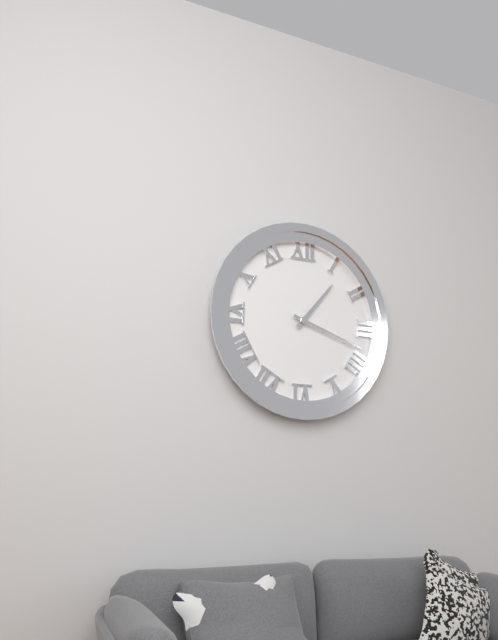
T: 1:18
